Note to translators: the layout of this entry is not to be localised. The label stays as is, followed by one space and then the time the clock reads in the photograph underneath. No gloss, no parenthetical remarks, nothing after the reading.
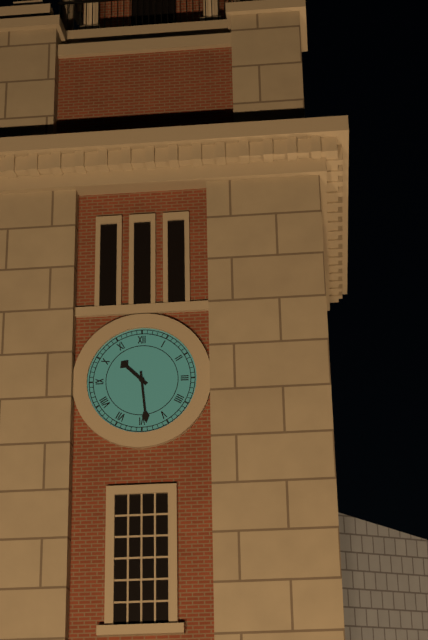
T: 10:29
